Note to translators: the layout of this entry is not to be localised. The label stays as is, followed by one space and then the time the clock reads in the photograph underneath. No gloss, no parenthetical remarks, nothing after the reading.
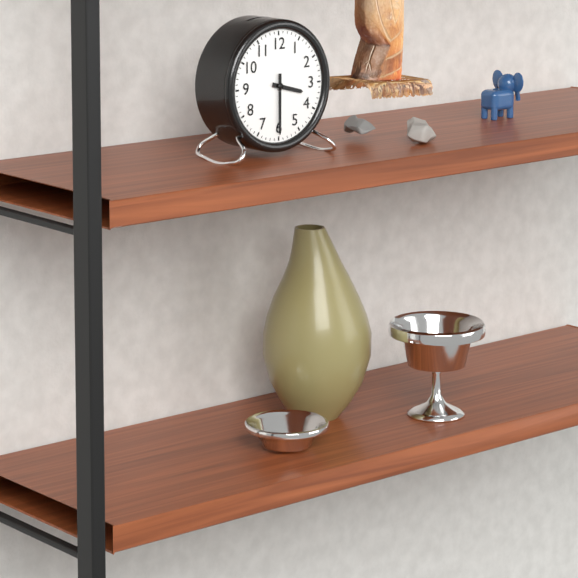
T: 3:30
